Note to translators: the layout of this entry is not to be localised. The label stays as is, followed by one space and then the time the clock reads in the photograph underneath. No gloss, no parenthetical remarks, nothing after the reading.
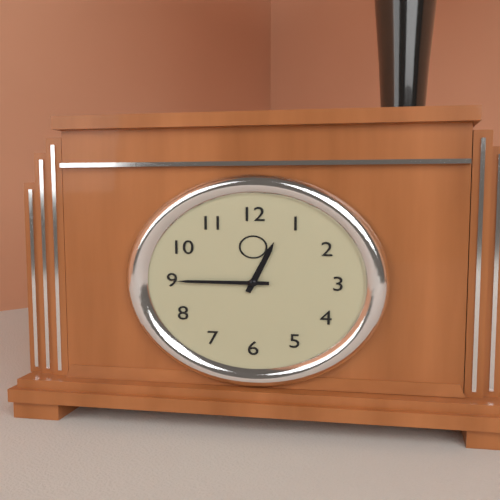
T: 12:45
